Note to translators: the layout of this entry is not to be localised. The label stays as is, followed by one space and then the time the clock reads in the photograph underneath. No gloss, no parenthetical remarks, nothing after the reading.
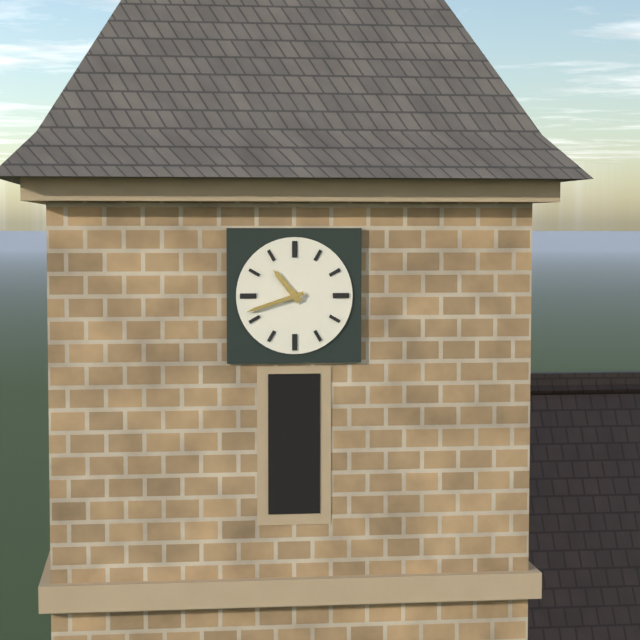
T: 10:42
